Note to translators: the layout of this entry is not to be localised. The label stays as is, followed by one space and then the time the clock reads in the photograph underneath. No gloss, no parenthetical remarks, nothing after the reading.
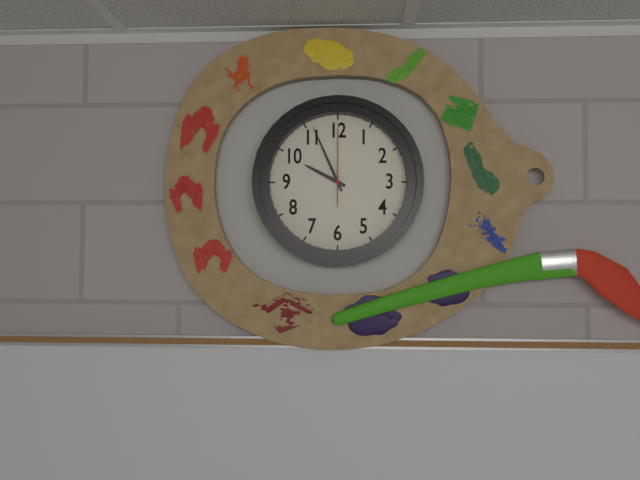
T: 9:56:00
